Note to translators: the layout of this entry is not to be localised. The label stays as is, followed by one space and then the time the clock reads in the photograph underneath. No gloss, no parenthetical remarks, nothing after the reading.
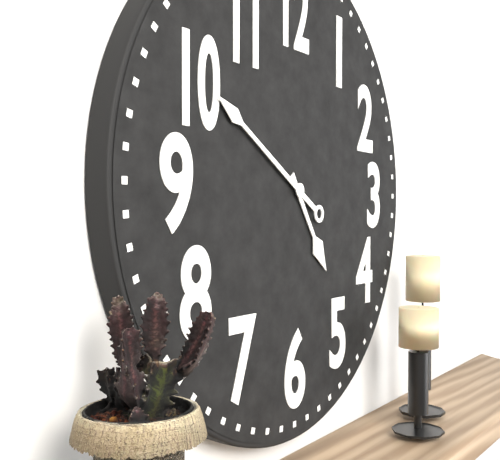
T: 4:50
